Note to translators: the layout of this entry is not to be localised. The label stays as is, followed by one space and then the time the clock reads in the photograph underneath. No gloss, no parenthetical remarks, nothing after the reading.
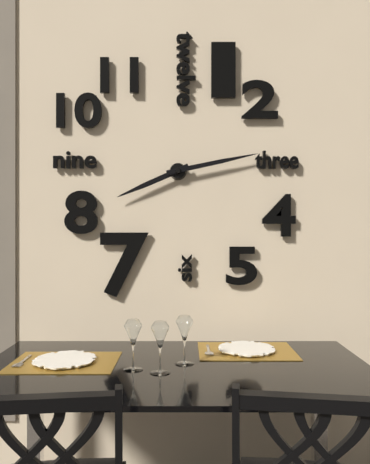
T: 8:13
